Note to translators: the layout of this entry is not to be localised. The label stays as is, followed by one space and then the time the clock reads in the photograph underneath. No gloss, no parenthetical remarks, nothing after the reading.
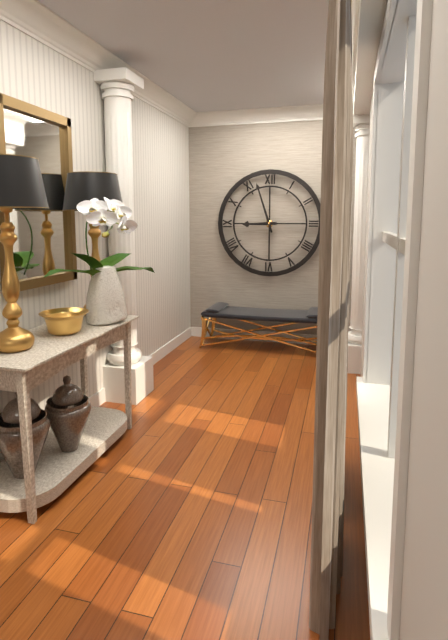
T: 8:57
